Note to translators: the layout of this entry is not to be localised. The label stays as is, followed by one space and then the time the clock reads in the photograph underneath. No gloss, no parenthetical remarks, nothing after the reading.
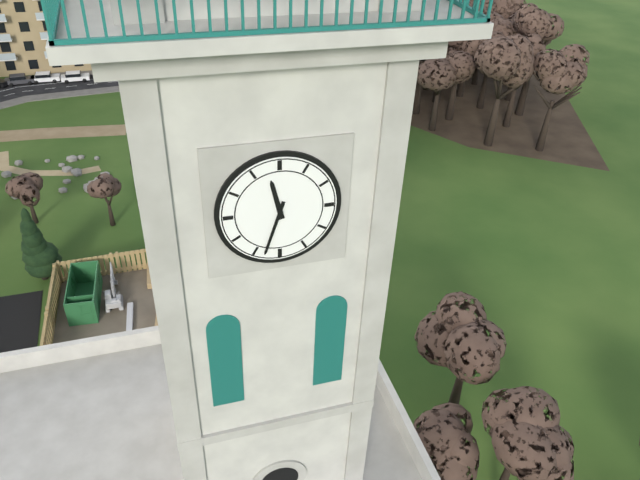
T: 11:33
